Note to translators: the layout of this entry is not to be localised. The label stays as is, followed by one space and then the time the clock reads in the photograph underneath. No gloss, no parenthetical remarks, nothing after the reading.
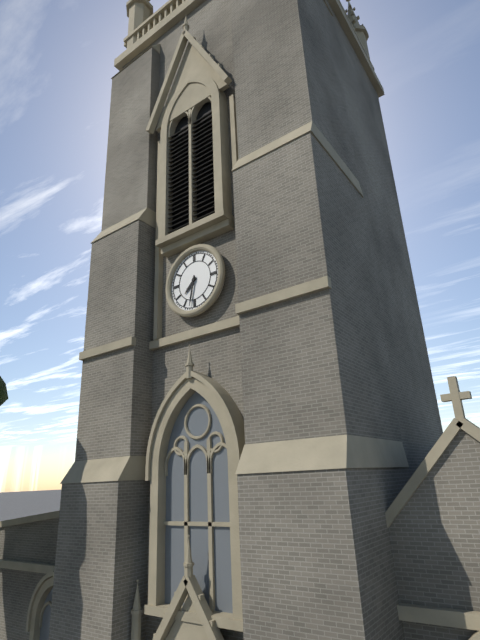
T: 7:32
